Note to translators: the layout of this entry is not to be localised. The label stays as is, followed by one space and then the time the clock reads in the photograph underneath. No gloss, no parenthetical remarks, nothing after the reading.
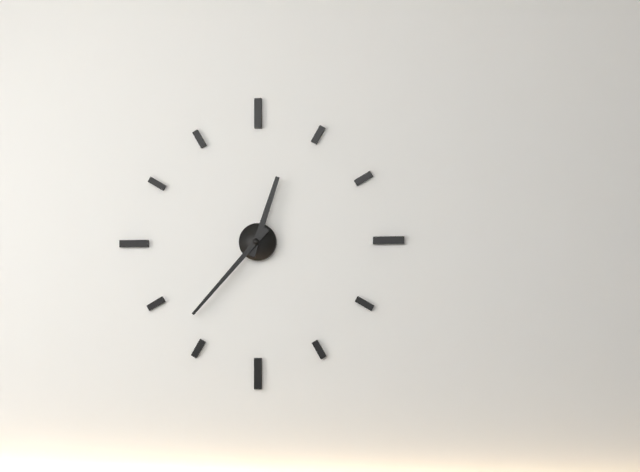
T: 12:37
